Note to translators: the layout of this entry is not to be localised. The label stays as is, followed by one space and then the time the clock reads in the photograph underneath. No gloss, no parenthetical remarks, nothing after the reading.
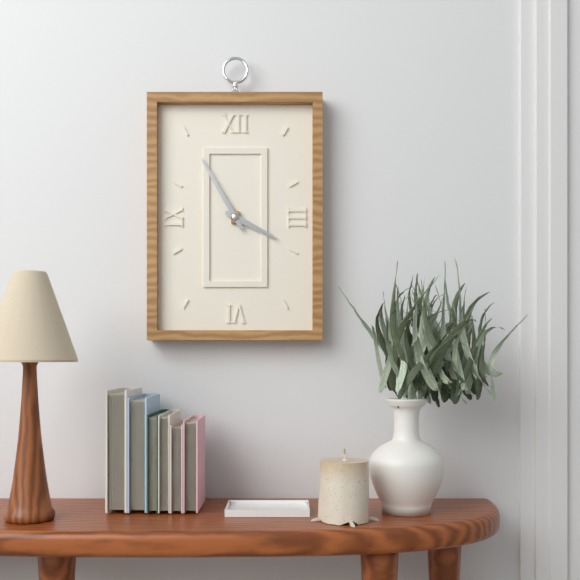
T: 3:55
